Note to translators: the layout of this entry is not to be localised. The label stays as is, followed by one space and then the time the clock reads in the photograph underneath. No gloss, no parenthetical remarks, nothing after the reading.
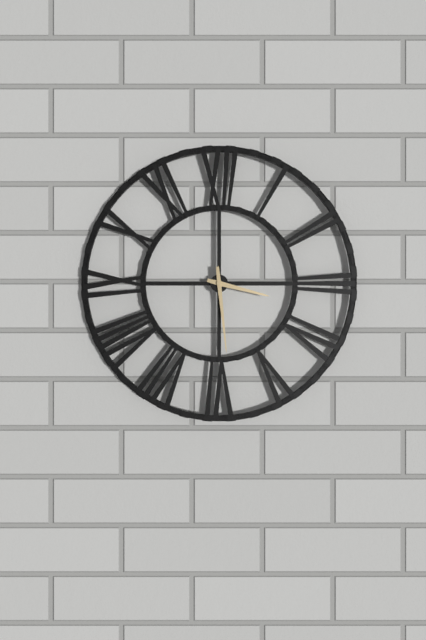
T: 3:29
